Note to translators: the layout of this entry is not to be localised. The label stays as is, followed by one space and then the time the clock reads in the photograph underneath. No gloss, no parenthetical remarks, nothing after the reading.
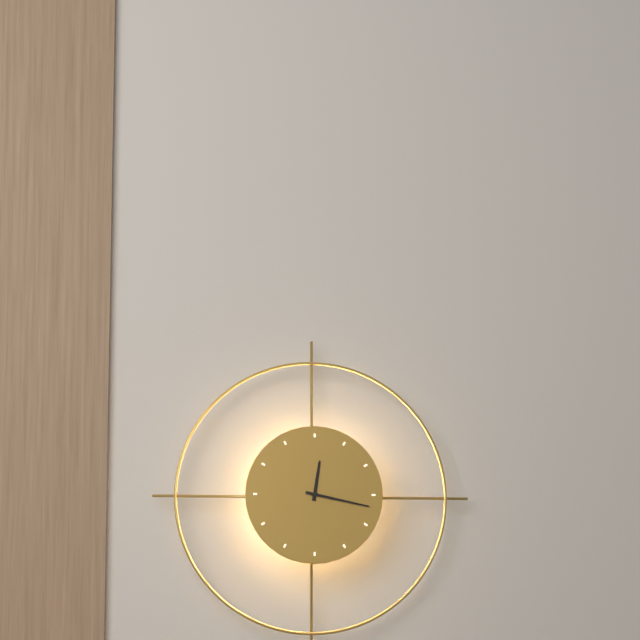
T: 12:17
